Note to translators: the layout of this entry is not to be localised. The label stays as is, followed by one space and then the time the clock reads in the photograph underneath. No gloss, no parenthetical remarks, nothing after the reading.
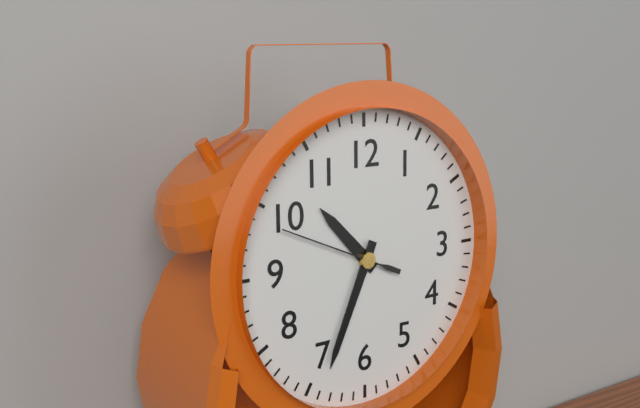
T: 10:34:49
